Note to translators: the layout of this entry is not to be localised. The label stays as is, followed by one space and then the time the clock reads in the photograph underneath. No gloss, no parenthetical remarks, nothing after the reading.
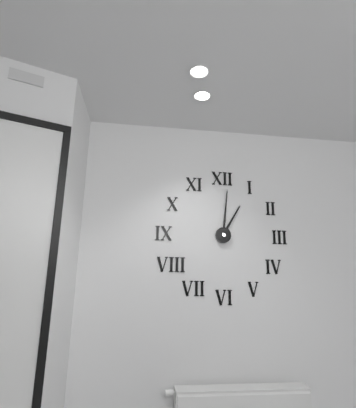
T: 1:01
